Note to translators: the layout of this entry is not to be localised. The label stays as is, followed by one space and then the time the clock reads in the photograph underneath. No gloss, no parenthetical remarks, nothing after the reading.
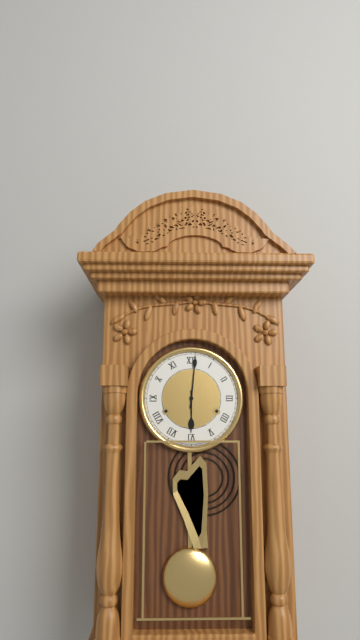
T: 6:01
